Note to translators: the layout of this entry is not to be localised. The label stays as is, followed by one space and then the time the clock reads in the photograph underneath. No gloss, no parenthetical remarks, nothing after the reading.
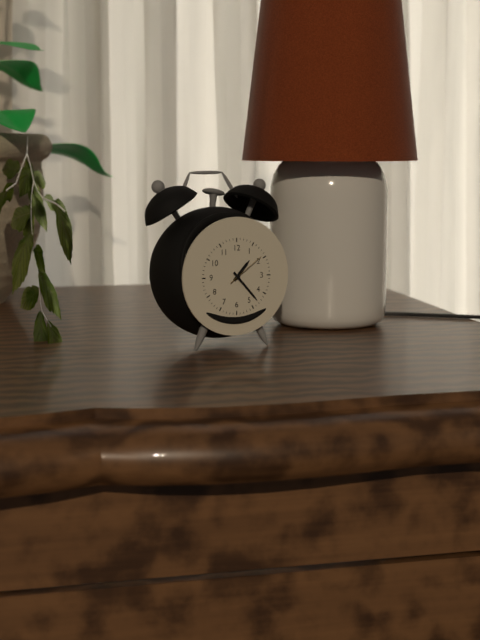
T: 1:23
